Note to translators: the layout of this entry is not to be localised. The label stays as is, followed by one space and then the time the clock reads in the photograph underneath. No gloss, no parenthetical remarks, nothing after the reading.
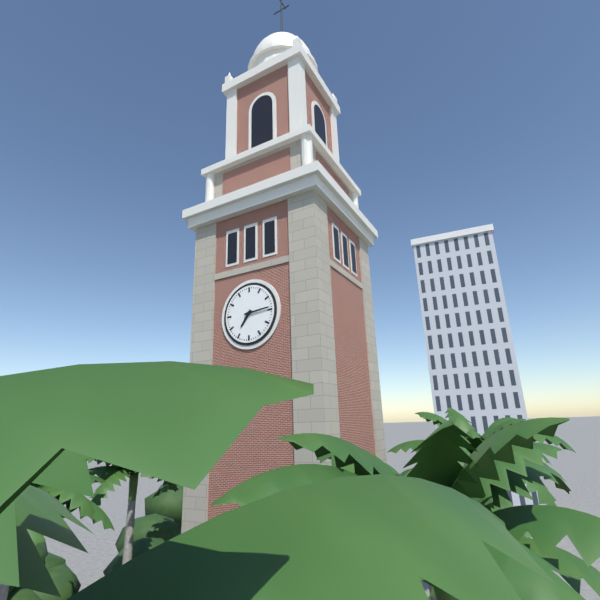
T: 7:14
